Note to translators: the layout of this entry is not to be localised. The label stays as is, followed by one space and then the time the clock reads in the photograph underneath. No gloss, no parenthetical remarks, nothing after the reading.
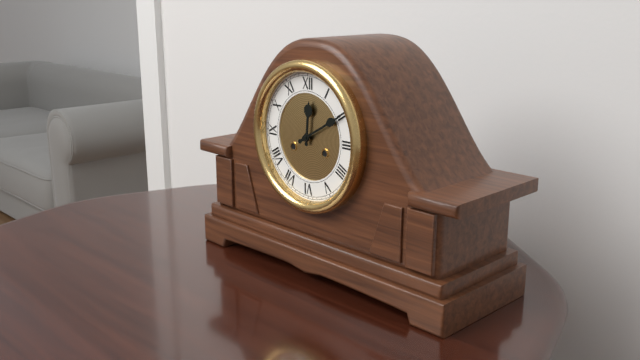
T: 12:10
